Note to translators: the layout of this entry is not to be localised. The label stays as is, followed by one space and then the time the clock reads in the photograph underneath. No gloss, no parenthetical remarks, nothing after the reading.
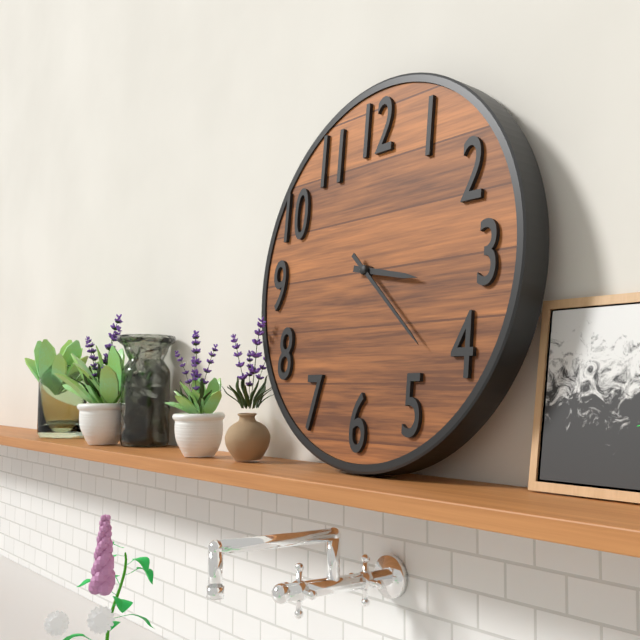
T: 3:22
